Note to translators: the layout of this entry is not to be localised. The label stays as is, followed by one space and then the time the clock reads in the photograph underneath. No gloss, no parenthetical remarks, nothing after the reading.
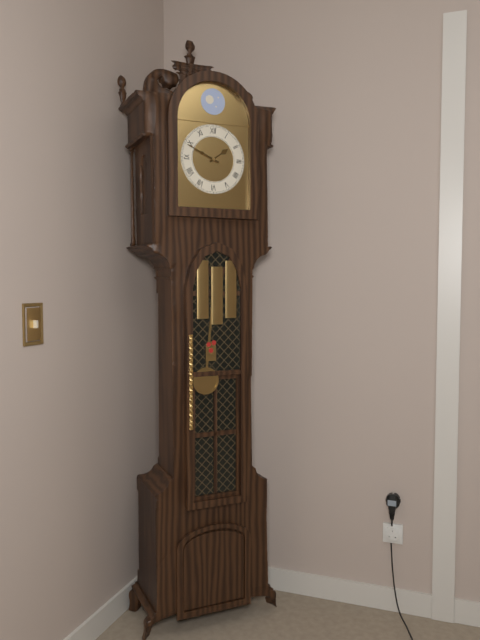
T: 1:49
